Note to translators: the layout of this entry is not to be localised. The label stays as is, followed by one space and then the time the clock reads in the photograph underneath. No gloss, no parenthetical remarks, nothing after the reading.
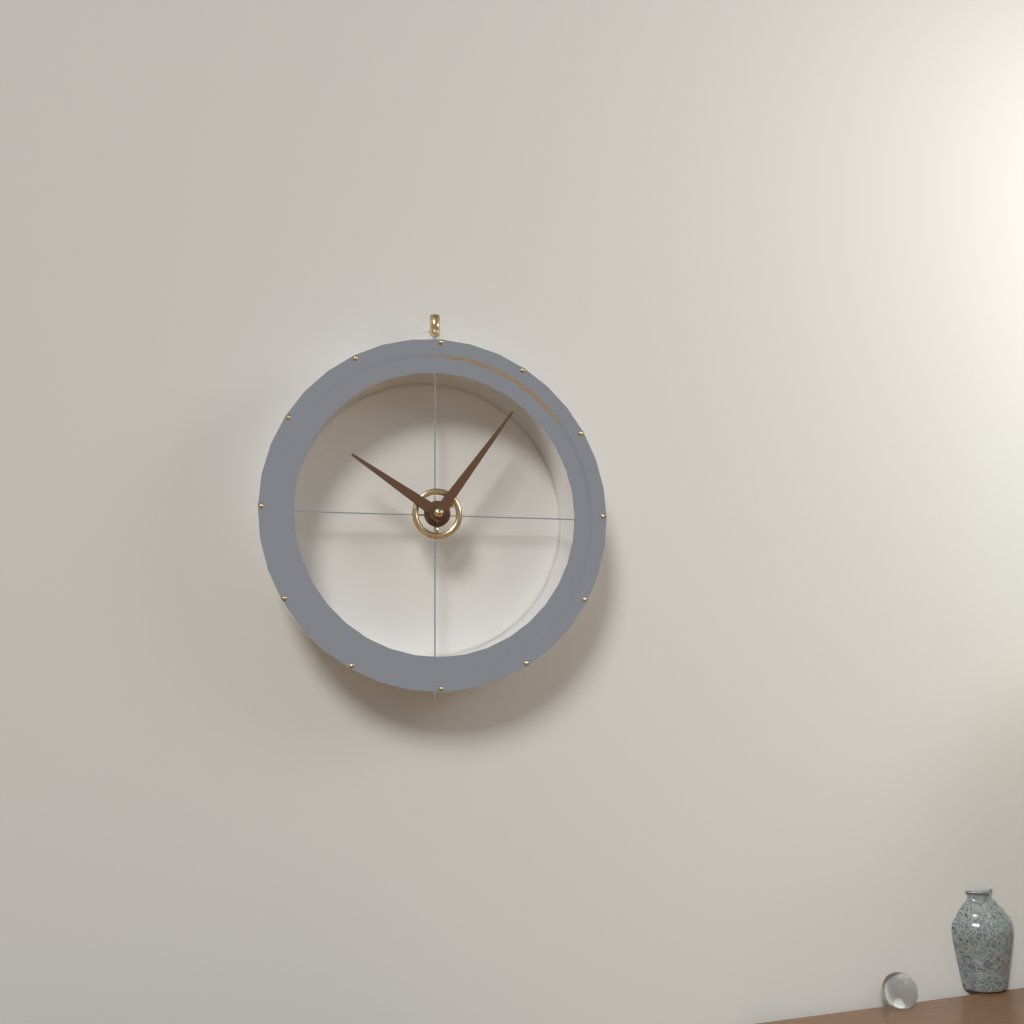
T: 10:06
